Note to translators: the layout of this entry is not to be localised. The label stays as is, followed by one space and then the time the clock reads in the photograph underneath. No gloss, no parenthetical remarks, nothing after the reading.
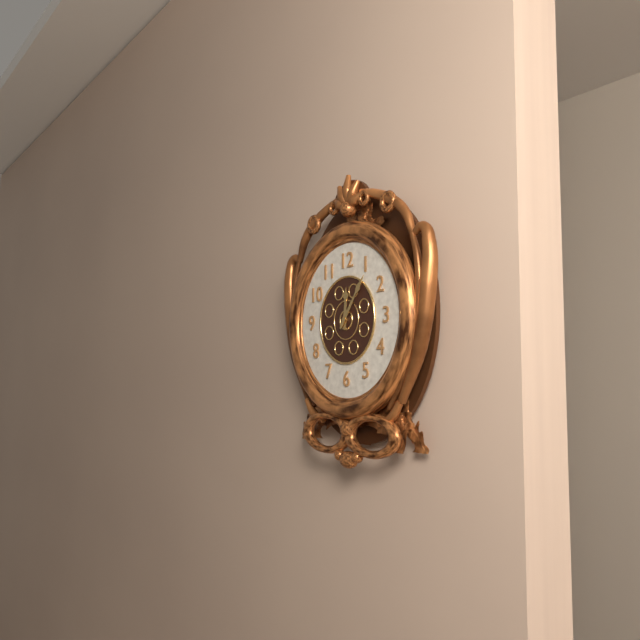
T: 12:06
